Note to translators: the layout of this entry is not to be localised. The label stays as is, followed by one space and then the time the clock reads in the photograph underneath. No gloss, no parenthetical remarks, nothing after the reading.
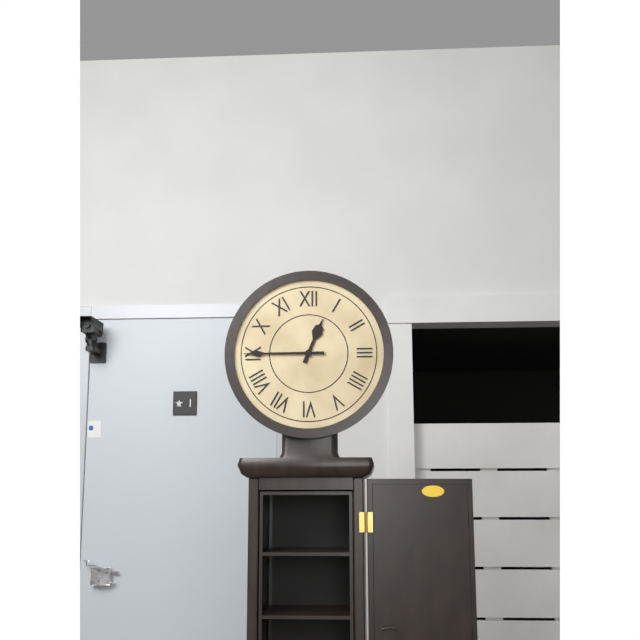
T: 12:45
